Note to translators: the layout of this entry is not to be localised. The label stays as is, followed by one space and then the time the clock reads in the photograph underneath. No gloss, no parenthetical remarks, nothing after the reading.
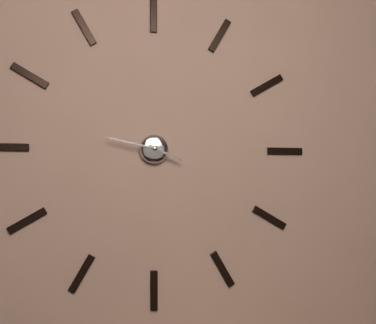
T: 3:47
